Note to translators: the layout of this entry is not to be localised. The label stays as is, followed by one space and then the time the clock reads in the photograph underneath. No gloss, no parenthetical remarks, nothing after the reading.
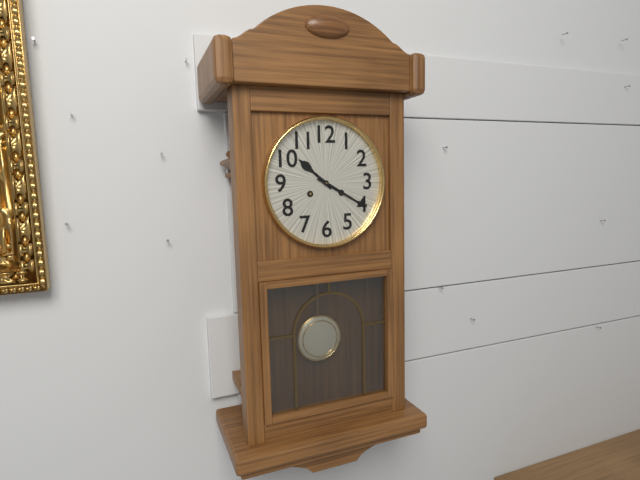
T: 10:20
